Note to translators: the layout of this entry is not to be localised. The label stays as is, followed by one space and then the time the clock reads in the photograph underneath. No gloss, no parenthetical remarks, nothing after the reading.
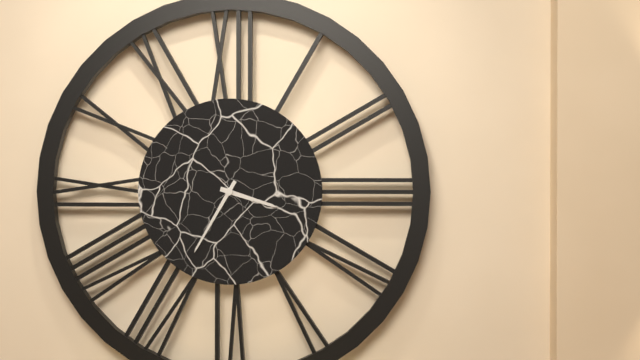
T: 3:35
